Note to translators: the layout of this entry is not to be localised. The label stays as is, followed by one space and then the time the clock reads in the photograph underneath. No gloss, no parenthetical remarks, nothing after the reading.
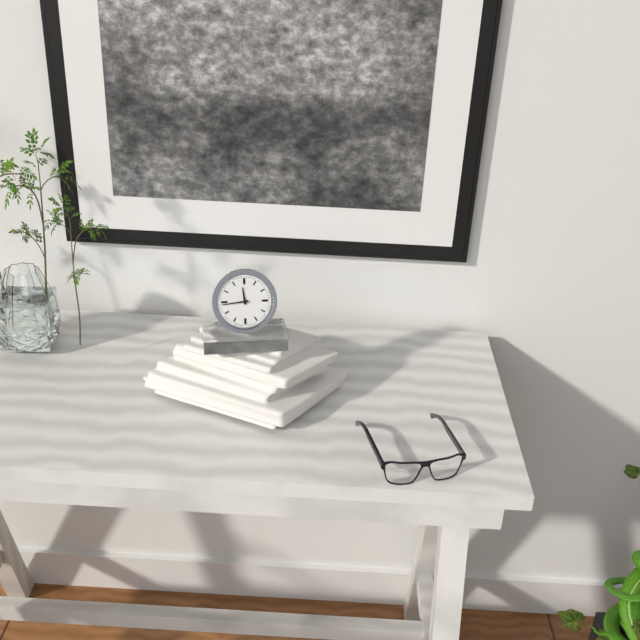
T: 11:44
